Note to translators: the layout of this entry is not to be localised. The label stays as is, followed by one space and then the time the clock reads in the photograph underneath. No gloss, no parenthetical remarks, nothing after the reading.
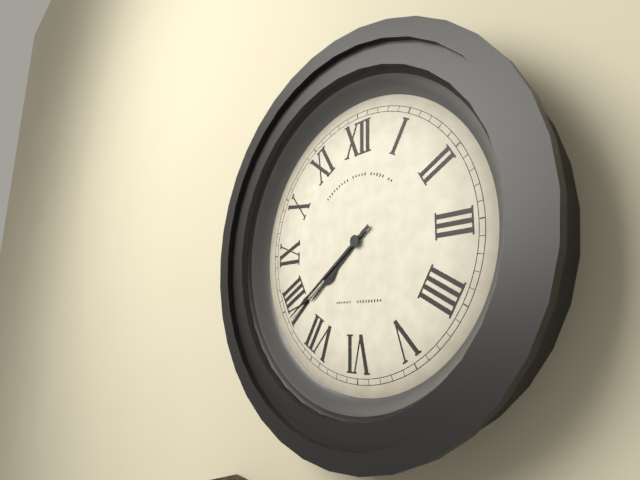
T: 7:39
